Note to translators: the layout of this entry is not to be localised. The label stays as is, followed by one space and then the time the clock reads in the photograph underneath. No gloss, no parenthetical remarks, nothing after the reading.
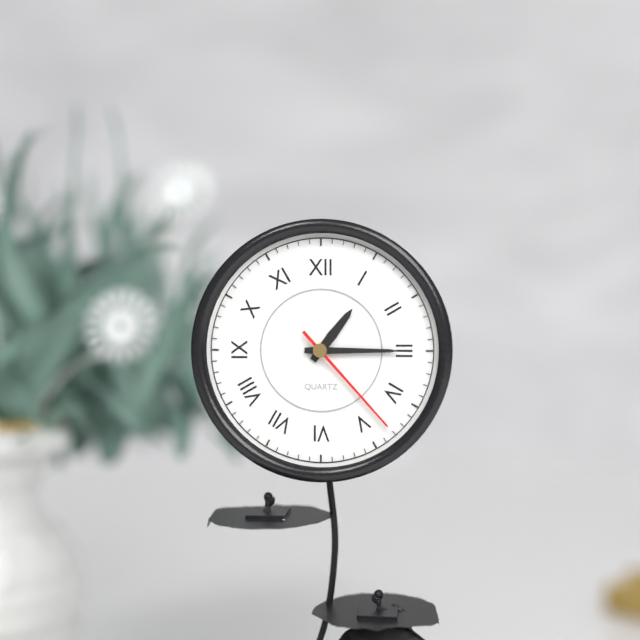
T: 1:15:23
